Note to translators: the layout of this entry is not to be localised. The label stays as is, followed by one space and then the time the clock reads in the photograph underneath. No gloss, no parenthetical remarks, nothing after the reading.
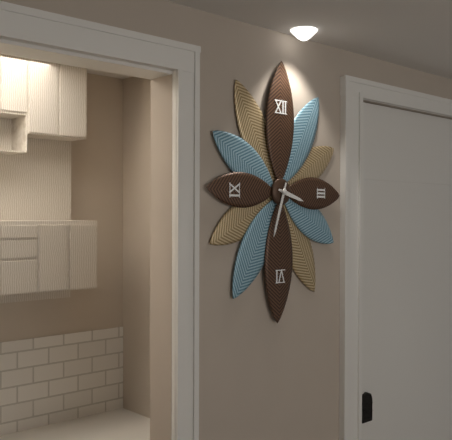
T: 3:33
